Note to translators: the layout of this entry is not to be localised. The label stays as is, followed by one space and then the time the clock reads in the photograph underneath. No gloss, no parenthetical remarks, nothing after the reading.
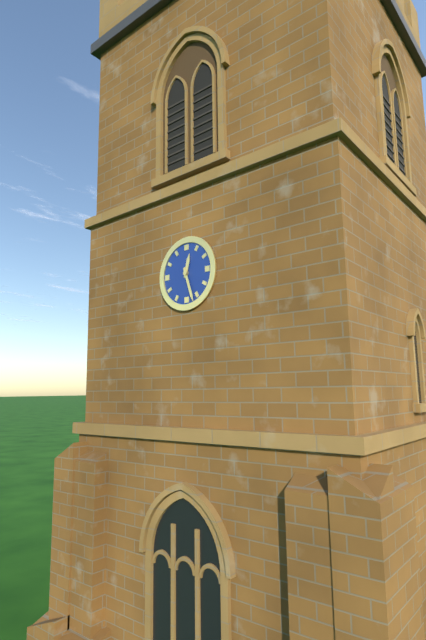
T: 12:27
